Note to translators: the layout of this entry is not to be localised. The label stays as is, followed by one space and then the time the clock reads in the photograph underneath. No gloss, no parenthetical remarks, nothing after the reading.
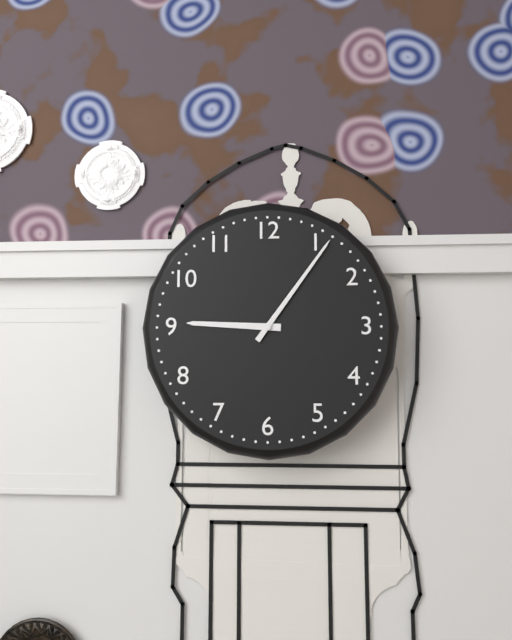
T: 9:06
